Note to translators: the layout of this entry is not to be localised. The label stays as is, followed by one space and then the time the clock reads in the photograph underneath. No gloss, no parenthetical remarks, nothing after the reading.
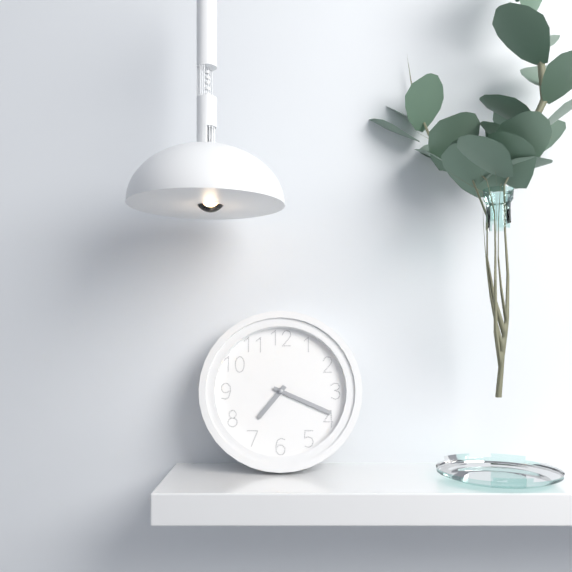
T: 7:19
